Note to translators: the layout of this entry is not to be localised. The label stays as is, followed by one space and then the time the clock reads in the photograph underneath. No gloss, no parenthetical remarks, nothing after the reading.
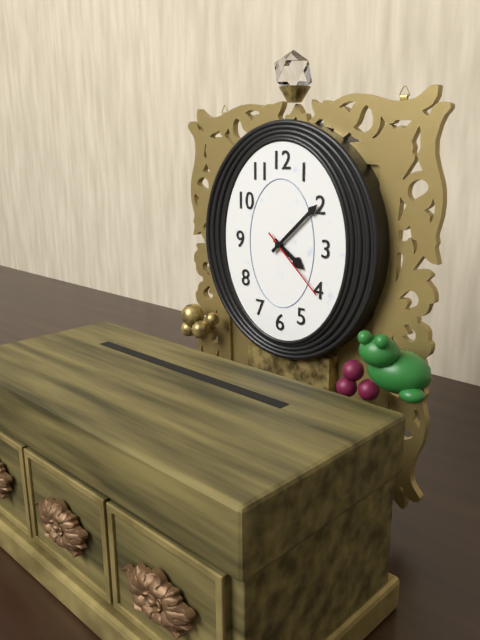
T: 4:08:22
